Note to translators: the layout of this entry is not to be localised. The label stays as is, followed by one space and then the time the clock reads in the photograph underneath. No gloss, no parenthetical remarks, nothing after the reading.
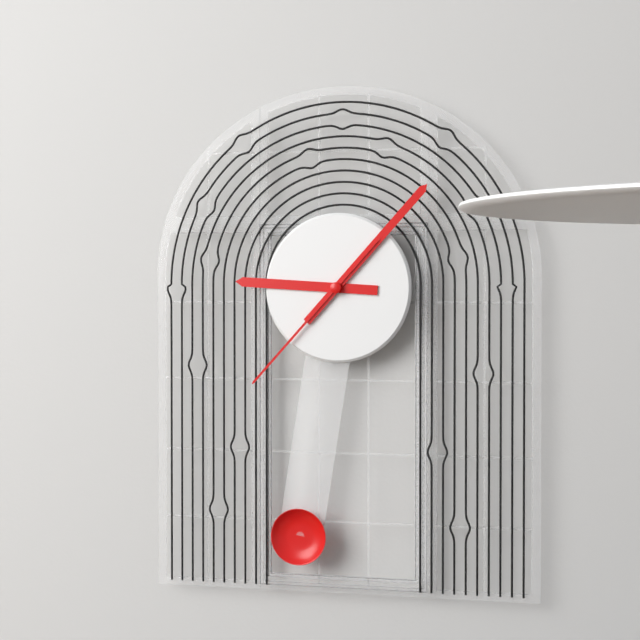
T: 9:07:37
